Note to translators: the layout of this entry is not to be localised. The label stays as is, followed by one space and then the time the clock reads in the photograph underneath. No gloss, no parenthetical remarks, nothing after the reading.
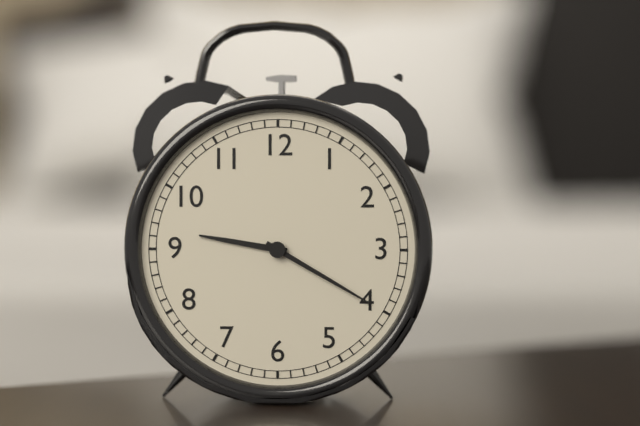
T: 9:20
